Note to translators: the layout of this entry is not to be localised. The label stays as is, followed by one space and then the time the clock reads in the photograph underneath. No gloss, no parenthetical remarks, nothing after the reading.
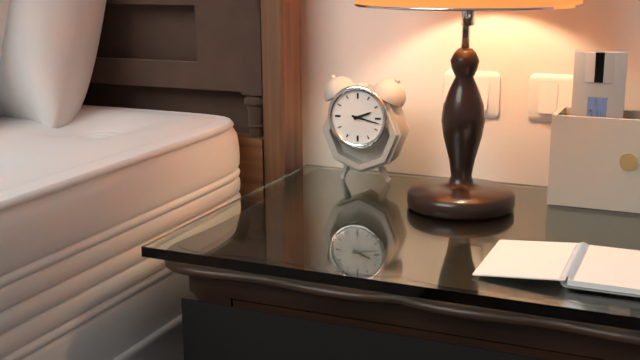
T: 2:17
